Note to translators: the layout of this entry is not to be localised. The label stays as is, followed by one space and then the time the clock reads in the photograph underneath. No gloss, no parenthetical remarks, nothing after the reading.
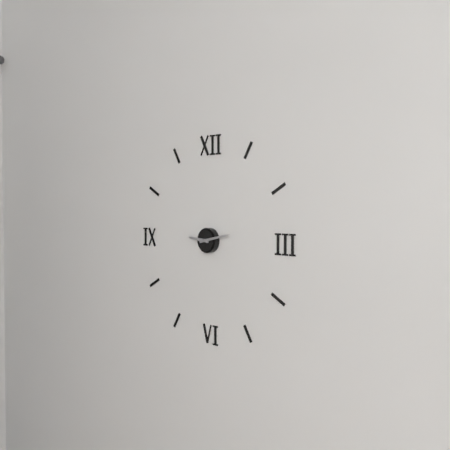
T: 9:13
